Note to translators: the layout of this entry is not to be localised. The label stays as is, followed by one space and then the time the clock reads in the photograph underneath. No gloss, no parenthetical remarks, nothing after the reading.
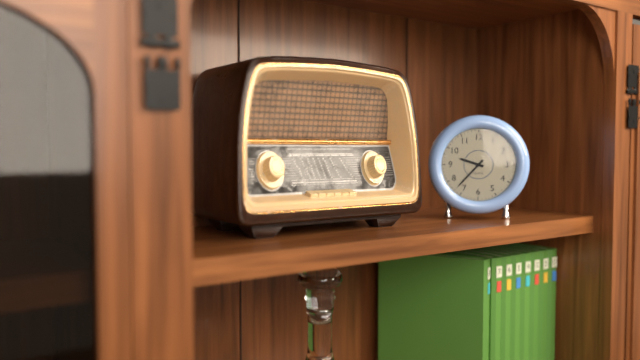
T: 9:37
